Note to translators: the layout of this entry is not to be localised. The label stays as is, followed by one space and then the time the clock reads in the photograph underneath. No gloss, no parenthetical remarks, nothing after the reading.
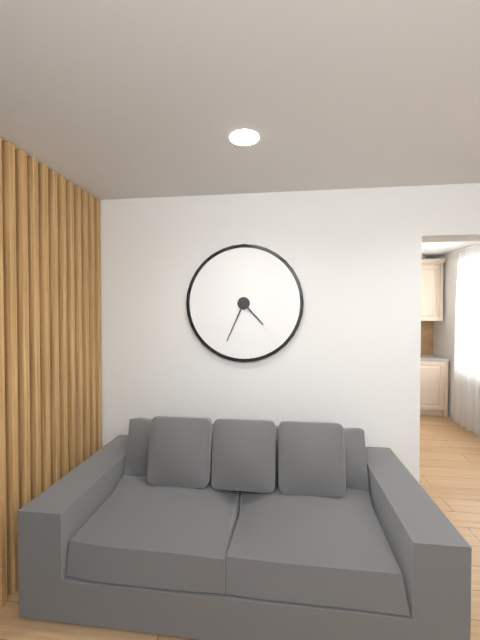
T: 4:34
